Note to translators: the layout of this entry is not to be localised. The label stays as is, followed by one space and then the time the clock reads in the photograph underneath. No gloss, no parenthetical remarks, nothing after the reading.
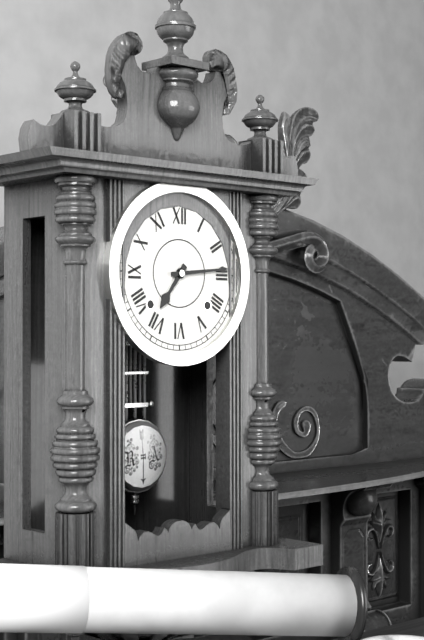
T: 7:14
